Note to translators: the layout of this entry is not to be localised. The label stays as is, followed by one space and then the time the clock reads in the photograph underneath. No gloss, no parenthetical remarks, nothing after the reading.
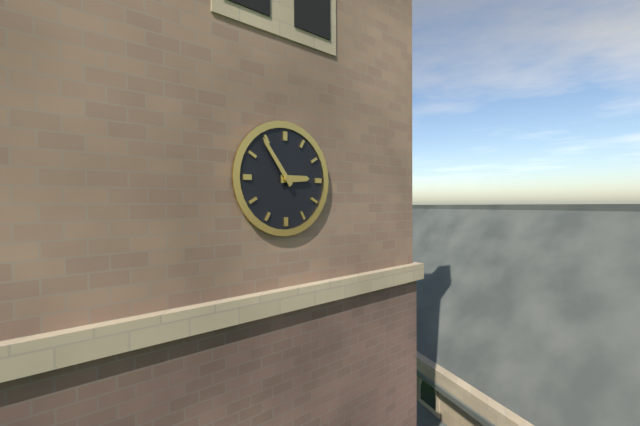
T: 2:54
